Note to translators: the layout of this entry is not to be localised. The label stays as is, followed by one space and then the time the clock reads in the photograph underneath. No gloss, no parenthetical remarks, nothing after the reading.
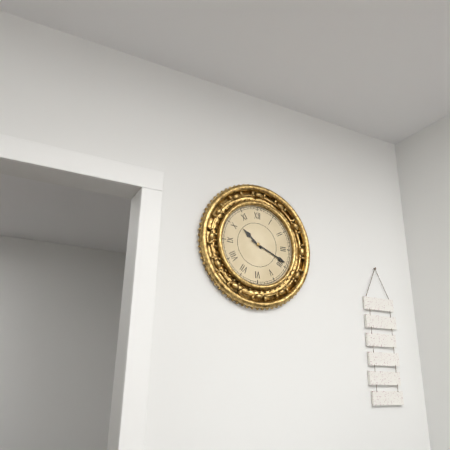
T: 10:19
